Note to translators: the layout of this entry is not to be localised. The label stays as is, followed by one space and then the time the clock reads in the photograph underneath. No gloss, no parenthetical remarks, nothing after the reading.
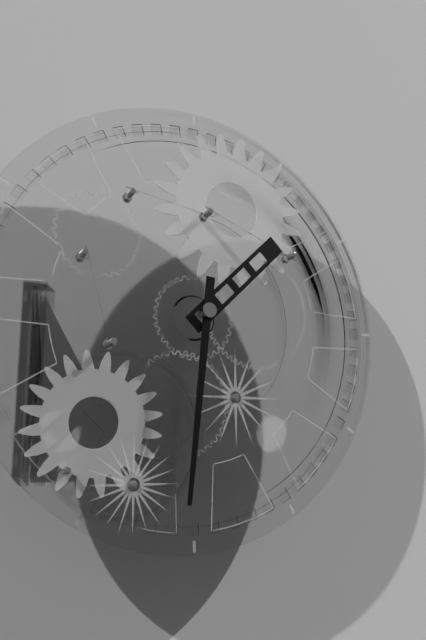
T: 1:31
